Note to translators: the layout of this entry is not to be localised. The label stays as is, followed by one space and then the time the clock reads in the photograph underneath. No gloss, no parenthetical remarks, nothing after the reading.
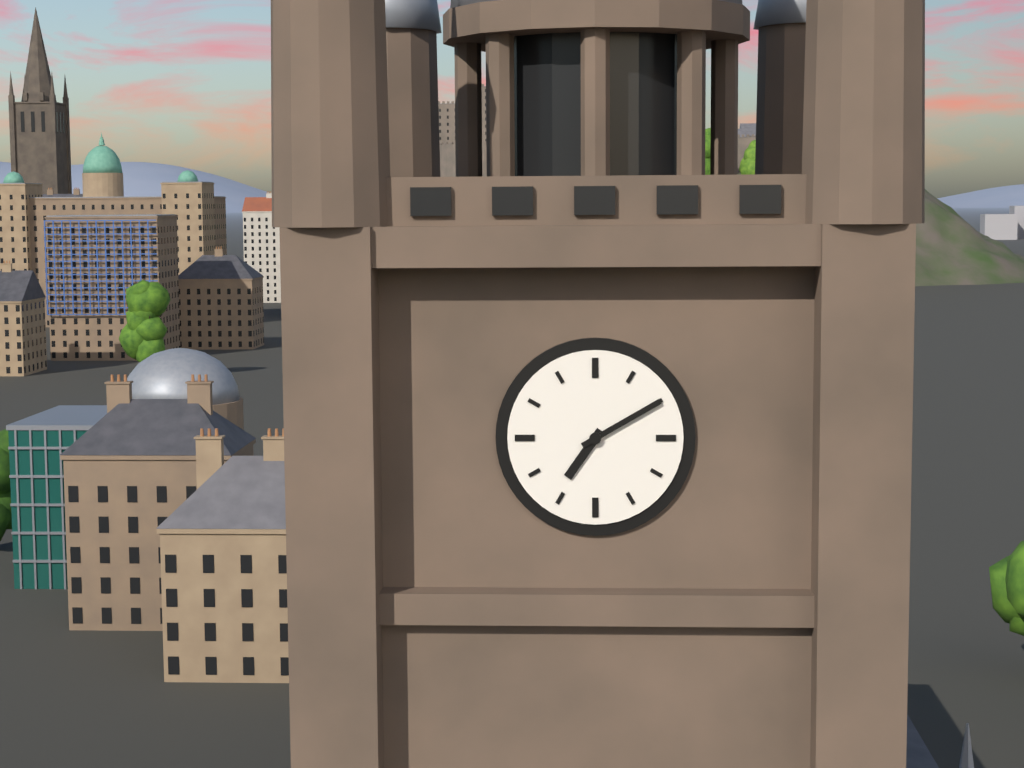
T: 7:10
